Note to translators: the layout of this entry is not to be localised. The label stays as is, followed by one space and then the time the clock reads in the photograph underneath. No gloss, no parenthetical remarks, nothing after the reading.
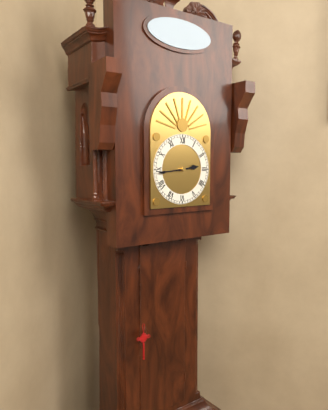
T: 2:44
